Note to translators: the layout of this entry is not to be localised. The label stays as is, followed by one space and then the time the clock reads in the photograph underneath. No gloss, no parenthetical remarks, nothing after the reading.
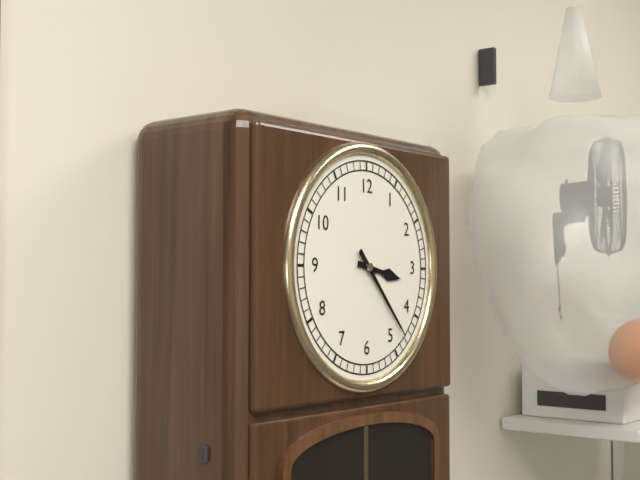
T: 3:23
